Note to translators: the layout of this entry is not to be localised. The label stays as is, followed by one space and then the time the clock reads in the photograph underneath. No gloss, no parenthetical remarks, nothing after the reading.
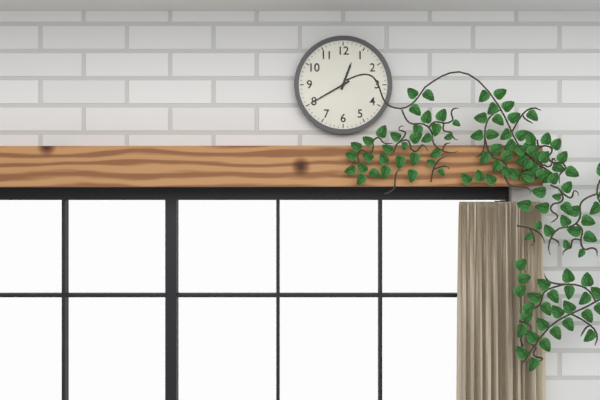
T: 12:40
